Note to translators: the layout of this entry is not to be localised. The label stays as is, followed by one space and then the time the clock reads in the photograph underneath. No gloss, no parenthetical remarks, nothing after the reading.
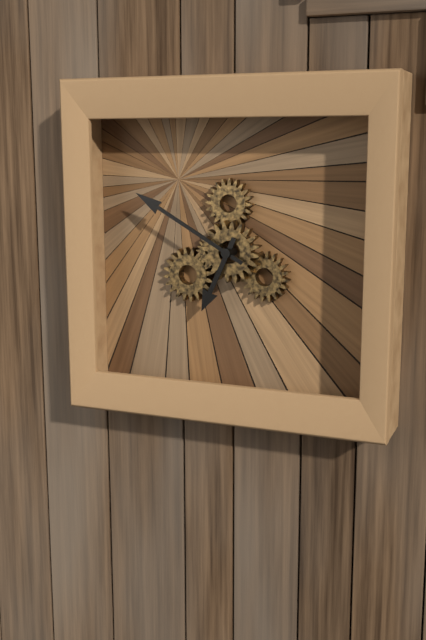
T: 6:50
